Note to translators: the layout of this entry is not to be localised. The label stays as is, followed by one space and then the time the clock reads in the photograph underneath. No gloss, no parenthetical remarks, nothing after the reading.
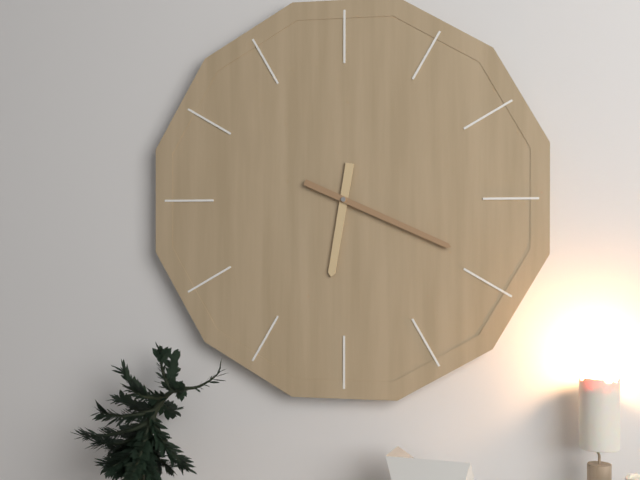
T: 6:19
